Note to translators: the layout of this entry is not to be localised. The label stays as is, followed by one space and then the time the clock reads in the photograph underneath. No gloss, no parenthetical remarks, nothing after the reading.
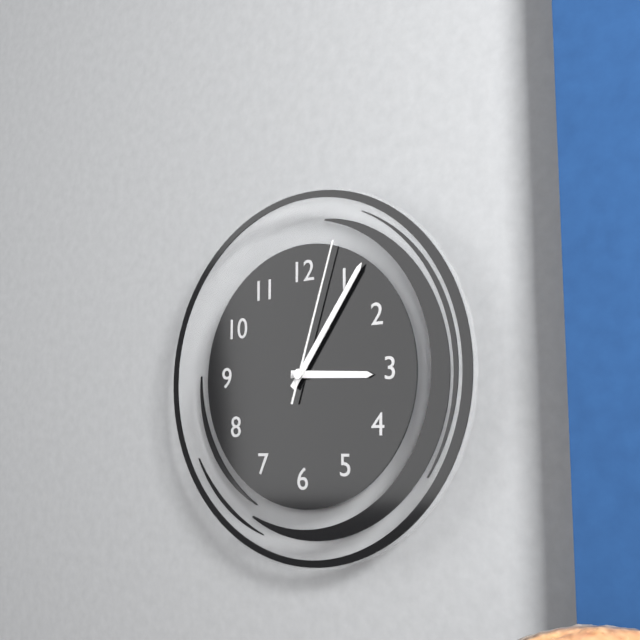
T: 3:06:03
